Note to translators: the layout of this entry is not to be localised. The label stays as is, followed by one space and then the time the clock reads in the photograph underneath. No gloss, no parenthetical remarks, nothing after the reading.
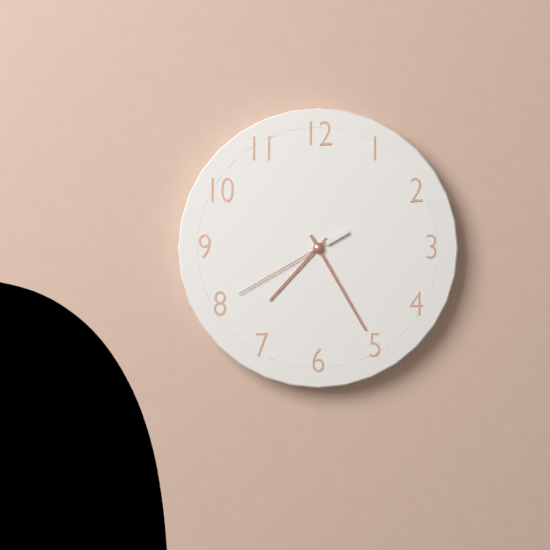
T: 7:25:40
